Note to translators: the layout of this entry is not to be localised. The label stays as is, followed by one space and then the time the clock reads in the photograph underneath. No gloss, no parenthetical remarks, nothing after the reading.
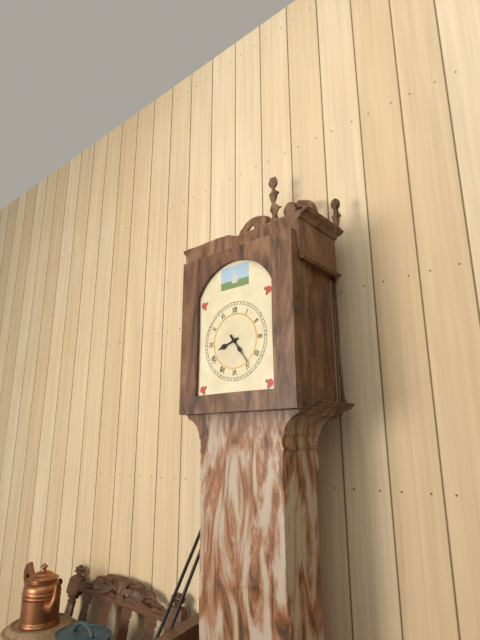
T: 8:24
